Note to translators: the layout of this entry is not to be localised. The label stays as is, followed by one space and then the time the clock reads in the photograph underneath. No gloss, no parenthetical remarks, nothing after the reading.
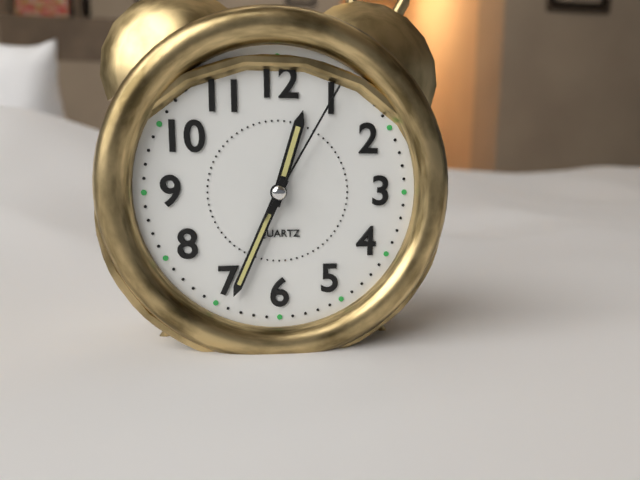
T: 12:34:05
